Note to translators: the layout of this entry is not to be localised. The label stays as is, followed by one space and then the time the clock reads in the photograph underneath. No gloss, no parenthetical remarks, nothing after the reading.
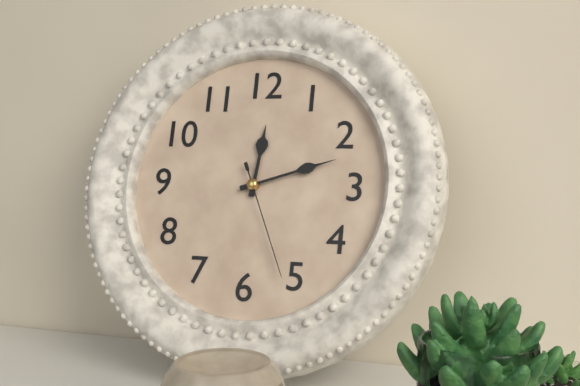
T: 12:12:26
